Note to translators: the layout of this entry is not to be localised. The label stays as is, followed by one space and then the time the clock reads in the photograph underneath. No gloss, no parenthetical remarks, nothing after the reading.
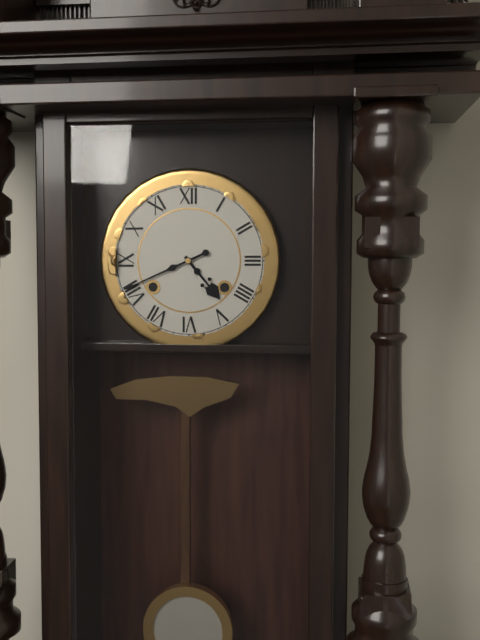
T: 4:41
